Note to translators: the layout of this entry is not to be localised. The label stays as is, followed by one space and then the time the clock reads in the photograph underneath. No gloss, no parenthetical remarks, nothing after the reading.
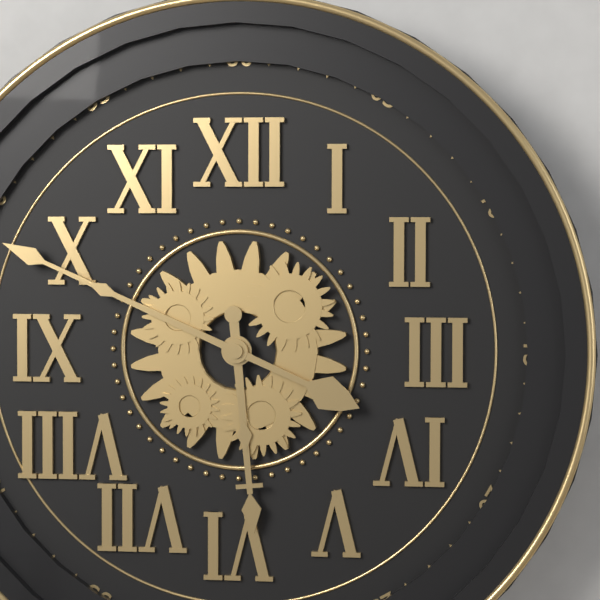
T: 5:49
